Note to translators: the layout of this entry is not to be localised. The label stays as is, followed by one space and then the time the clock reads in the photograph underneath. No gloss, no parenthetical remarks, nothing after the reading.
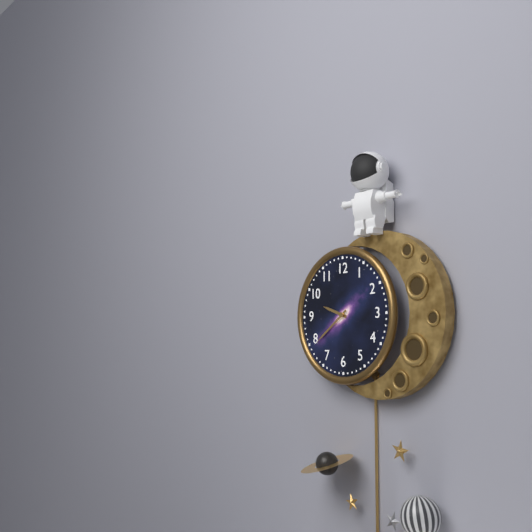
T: 9:39
